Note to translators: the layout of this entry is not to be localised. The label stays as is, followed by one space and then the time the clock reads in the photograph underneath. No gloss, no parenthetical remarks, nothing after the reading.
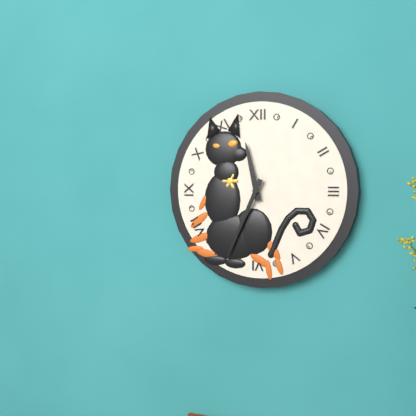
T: 11:34
